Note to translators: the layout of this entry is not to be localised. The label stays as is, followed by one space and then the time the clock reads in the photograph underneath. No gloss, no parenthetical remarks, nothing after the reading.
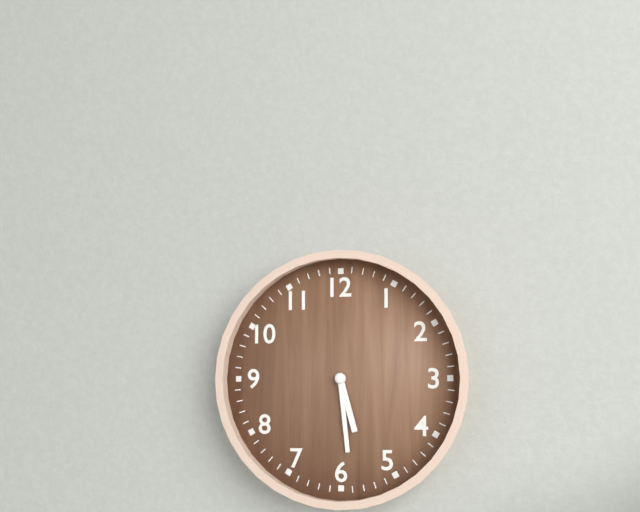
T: 5:29
